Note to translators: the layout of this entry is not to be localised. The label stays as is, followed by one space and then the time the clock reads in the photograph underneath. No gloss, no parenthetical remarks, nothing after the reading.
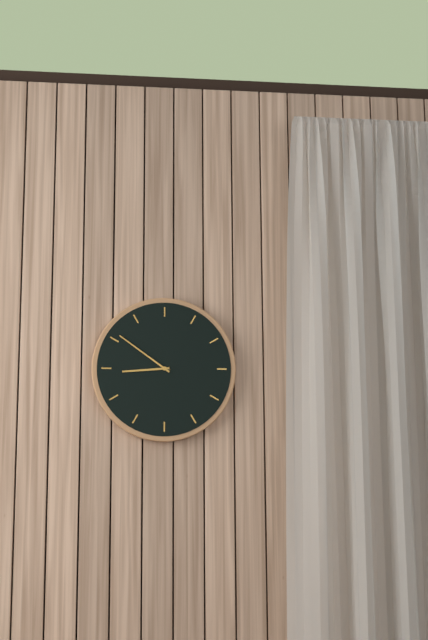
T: 8:51
